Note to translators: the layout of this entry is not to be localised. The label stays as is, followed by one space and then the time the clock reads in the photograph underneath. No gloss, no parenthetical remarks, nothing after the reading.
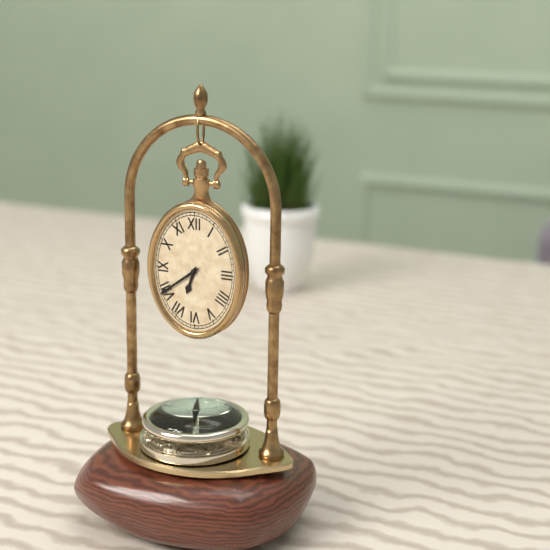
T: 6:39
